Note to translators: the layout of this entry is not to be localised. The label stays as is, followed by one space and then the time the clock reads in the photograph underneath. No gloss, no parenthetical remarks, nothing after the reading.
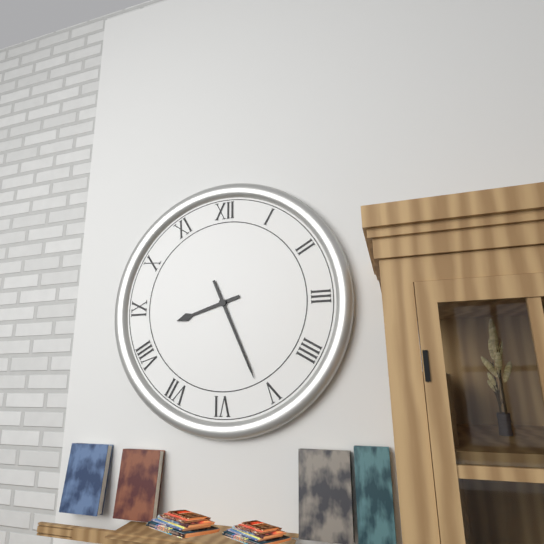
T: 8:26
